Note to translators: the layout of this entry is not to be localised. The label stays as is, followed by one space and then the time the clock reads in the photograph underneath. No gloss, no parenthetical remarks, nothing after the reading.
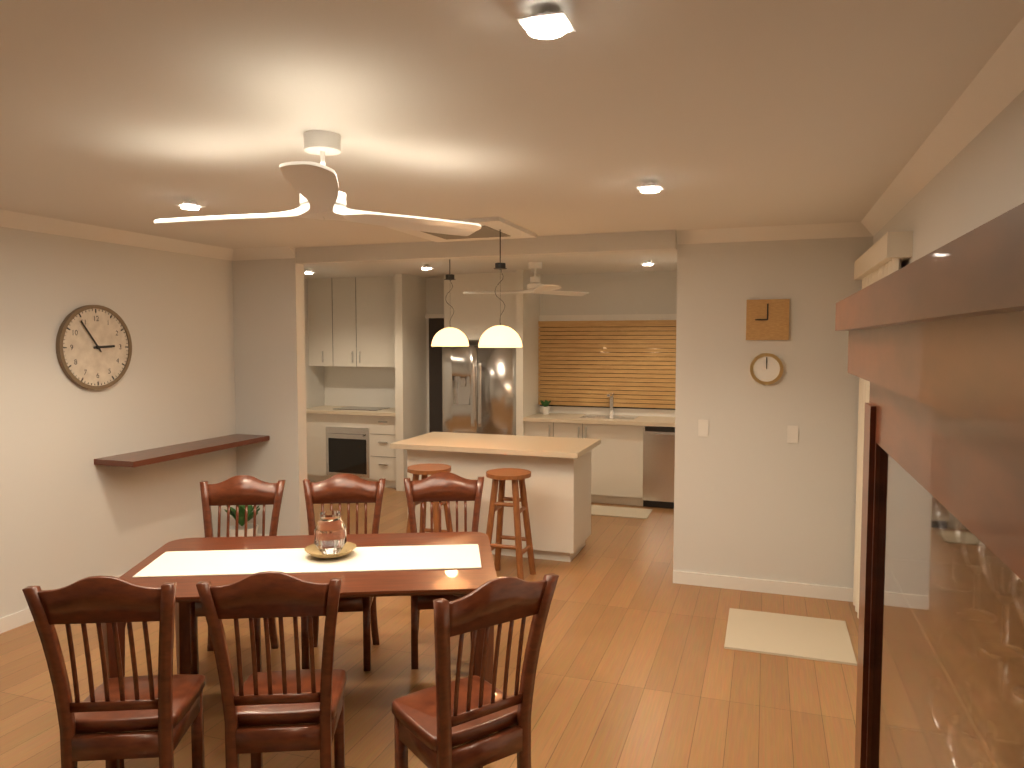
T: 2:54
